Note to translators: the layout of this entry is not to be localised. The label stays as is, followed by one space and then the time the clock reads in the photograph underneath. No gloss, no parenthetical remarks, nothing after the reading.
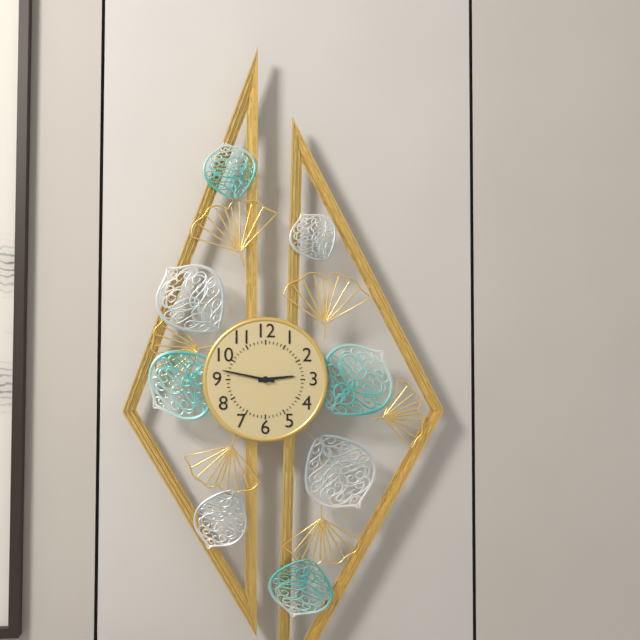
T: 2:47
